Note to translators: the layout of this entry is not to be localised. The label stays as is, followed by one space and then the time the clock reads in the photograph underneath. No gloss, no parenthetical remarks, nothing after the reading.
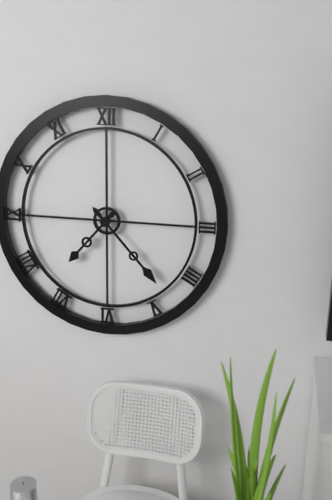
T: 7:23
